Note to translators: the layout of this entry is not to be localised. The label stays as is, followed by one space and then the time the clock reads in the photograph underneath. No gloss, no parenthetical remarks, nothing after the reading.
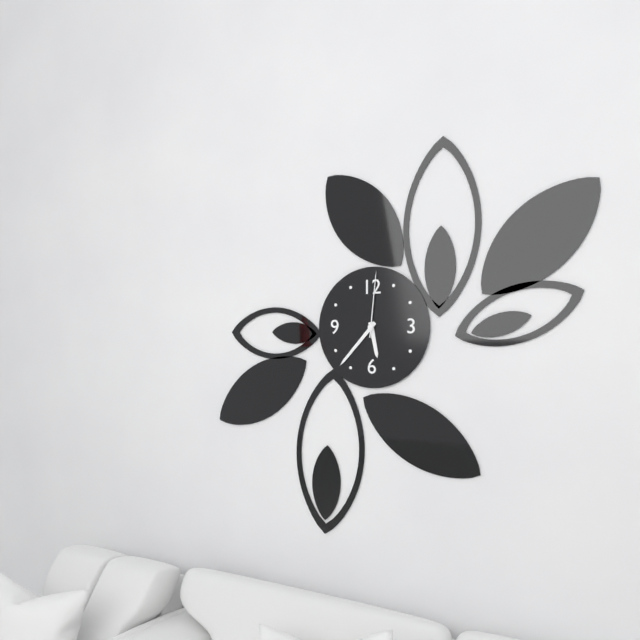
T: 5:37:01
